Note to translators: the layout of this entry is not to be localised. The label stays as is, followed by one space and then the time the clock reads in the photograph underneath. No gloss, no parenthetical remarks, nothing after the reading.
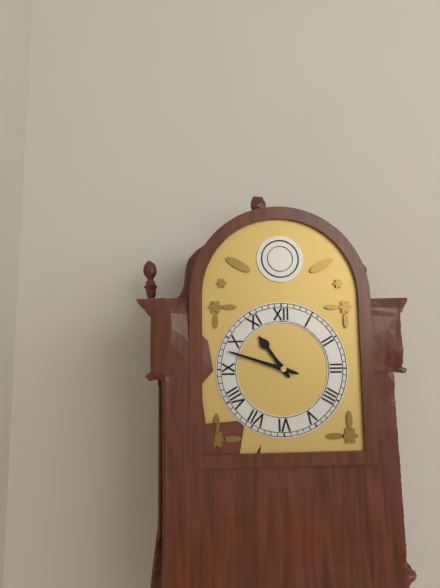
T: 10:48
